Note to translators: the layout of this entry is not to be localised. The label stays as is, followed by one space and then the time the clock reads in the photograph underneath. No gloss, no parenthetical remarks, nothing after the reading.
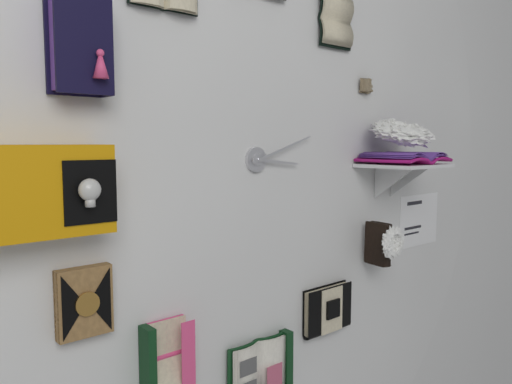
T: 3:12
